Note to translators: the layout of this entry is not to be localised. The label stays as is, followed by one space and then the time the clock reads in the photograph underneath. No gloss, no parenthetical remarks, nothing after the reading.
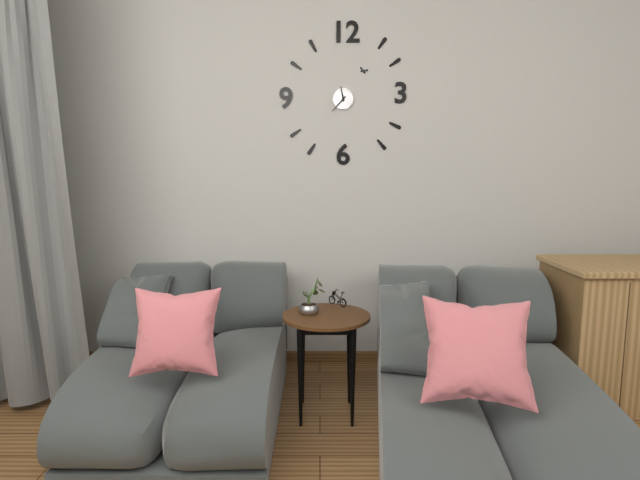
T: 11:37
